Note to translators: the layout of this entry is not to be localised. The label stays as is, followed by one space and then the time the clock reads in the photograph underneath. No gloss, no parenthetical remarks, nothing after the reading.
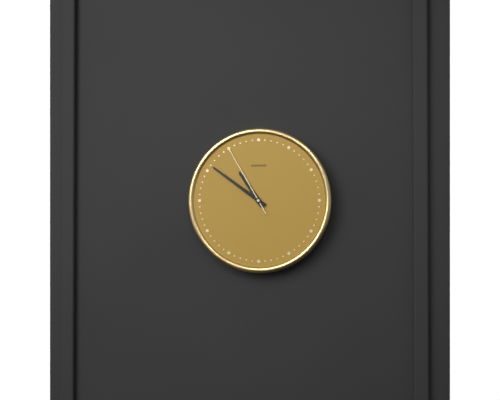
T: 10:51:55
